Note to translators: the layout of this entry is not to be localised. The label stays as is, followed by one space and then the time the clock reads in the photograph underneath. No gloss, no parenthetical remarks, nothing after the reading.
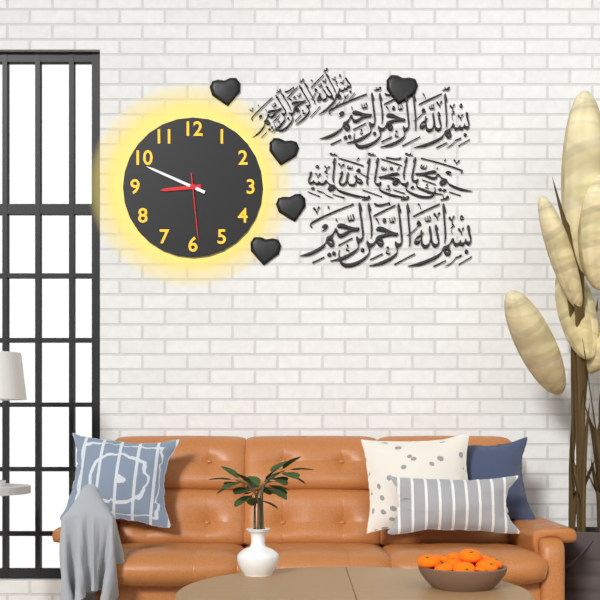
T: 8:49:29
